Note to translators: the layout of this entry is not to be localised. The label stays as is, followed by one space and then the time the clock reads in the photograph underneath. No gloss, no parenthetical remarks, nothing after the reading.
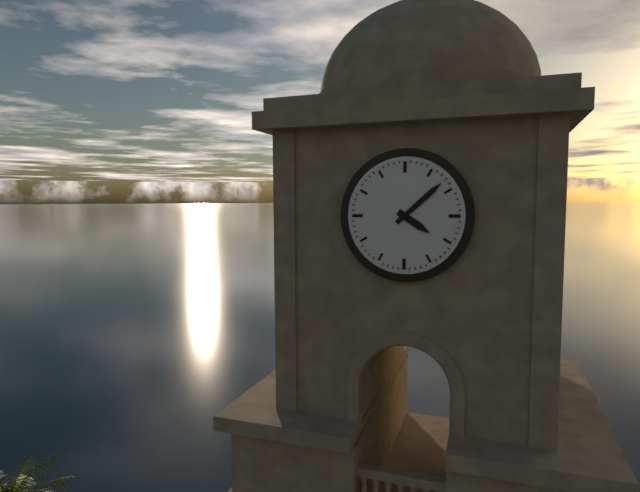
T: 4:08
